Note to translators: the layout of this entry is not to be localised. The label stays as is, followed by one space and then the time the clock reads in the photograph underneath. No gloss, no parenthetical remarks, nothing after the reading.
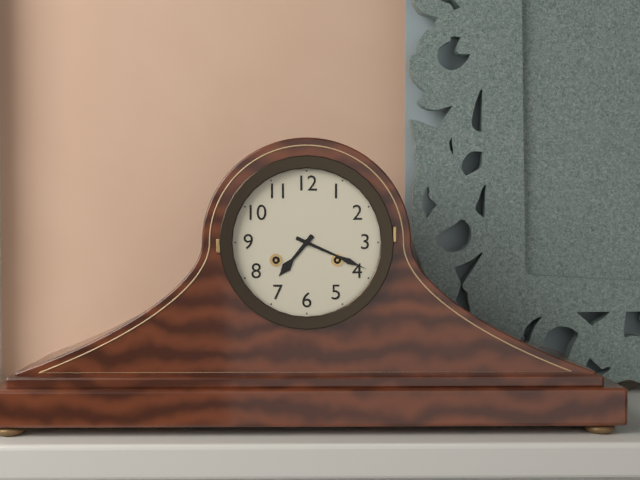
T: 7:19
